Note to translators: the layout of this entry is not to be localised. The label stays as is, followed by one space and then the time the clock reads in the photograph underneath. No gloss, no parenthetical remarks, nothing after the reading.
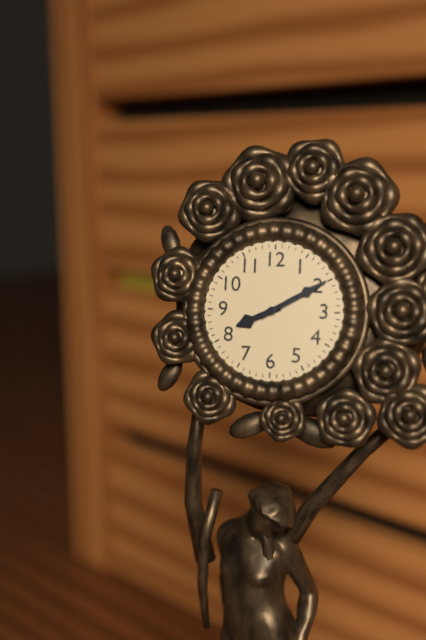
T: 8:10
